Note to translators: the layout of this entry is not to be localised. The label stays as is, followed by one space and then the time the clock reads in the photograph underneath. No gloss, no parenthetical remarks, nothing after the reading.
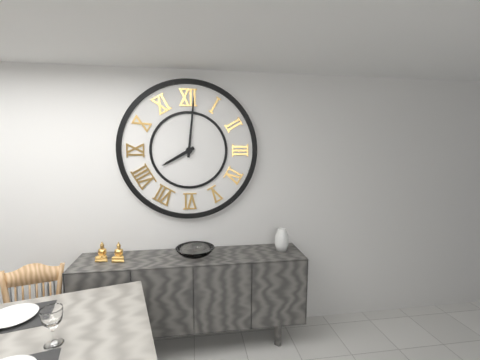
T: 8:01
